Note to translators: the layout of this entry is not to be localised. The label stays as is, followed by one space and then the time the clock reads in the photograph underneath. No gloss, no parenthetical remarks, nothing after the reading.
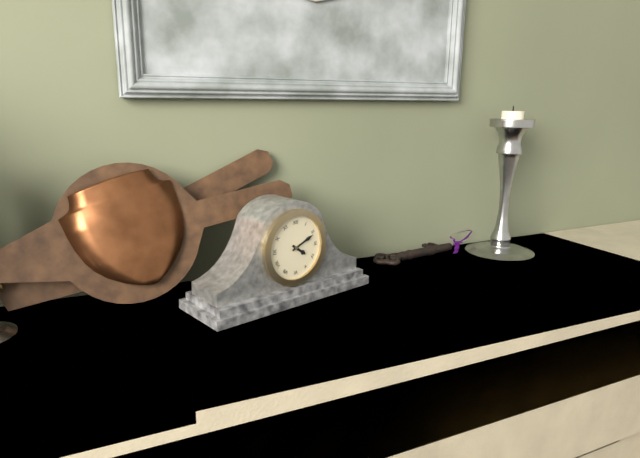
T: 4:11
